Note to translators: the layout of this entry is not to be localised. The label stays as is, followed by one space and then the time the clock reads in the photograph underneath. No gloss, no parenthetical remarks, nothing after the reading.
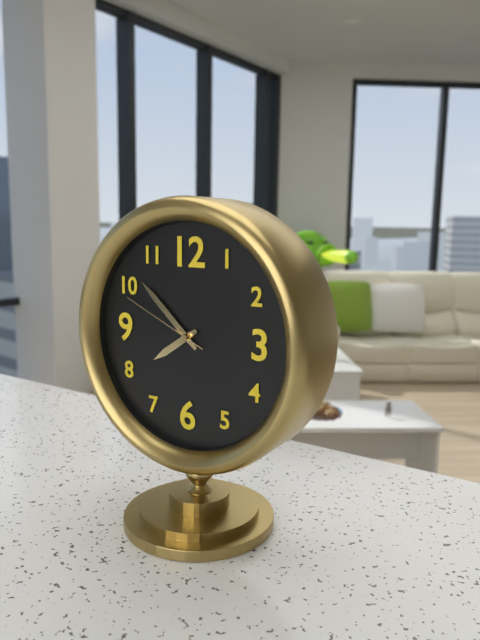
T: 7:52:49
